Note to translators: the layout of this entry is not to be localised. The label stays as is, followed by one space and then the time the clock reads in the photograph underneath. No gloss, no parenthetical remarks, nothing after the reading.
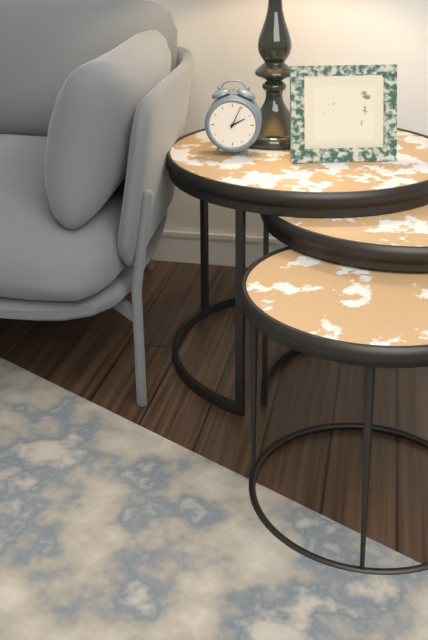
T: 2:04
